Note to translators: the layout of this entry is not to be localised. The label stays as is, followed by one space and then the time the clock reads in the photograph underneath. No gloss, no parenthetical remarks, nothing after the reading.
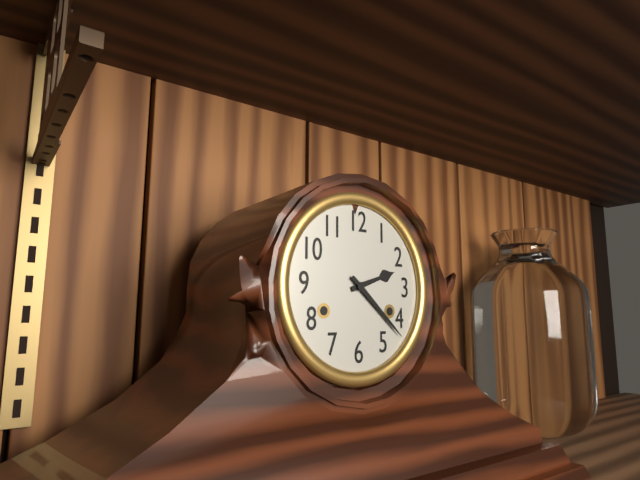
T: 2:22
